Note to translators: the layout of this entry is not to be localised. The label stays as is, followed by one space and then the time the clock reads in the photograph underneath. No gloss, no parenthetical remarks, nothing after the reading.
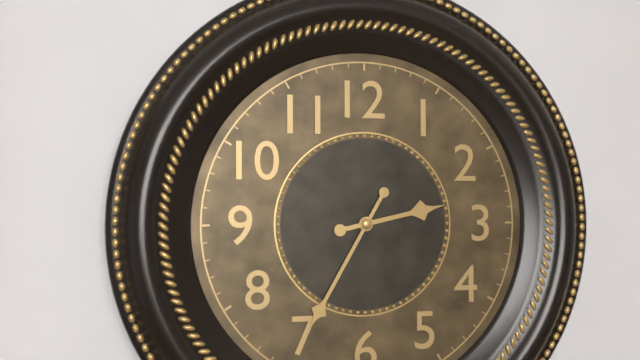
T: 2:35
